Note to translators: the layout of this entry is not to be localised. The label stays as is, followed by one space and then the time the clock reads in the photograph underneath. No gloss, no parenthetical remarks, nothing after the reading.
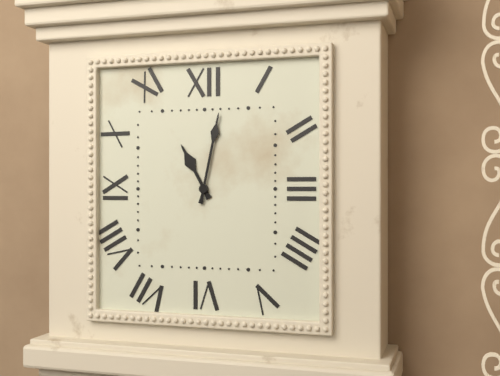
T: 11:02
